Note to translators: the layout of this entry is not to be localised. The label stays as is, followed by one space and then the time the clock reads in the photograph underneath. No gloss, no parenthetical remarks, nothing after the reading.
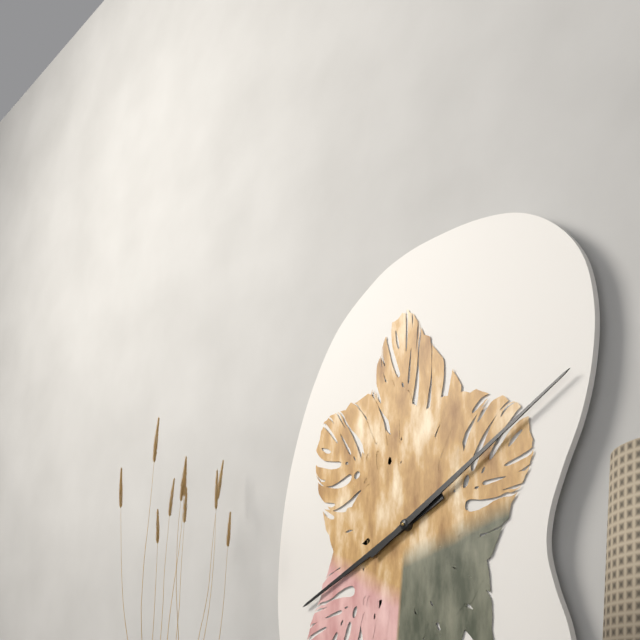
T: 8:10
